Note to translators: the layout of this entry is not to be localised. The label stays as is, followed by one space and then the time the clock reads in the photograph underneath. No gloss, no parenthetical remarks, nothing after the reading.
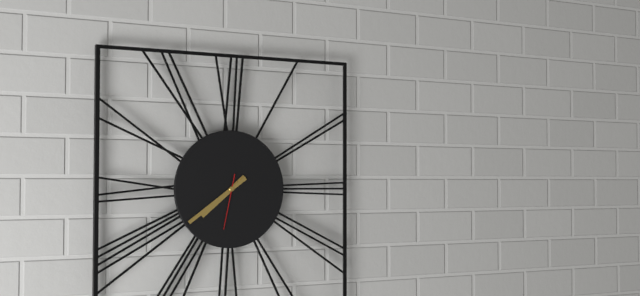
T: 7:39:32
